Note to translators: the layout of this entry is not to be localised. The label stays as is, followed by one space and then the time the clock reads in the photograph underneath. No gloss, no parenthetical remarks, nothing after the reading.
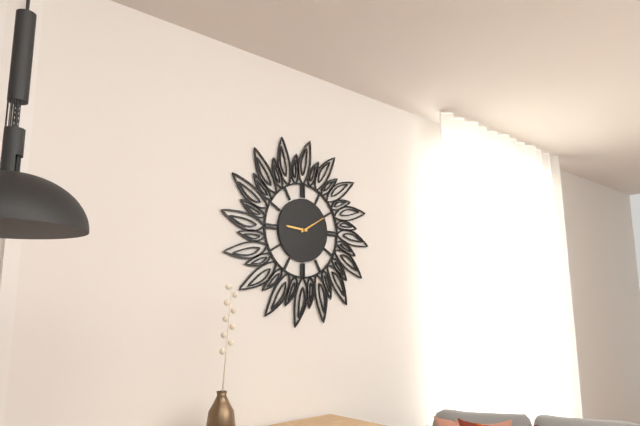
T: 9:10
